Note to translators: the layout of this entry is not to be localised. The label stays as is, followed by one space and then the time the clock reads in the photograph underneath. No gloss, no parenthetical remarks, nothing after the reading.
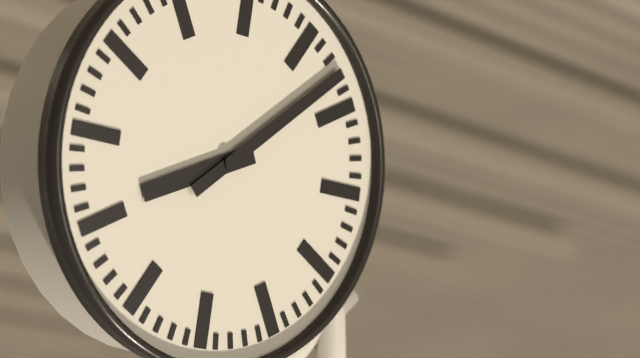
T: 8:08
